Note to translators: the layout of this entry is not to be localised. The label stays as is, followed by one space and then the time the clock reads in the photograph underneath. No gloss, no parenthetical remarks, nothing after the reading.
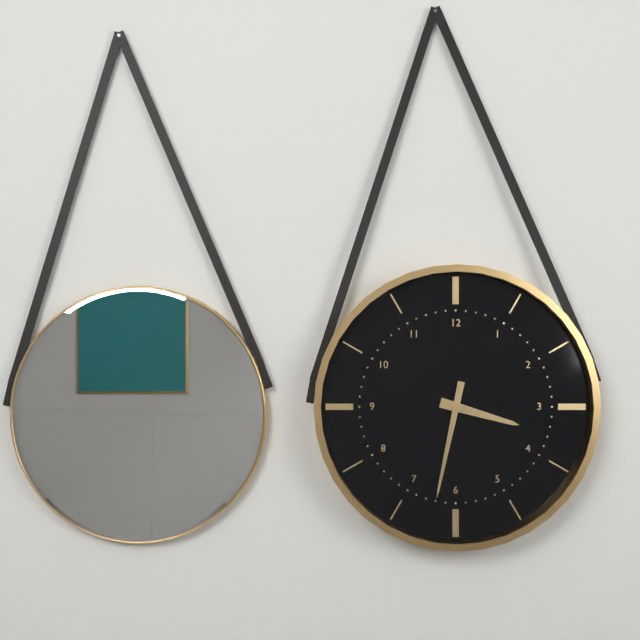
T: 3:32
